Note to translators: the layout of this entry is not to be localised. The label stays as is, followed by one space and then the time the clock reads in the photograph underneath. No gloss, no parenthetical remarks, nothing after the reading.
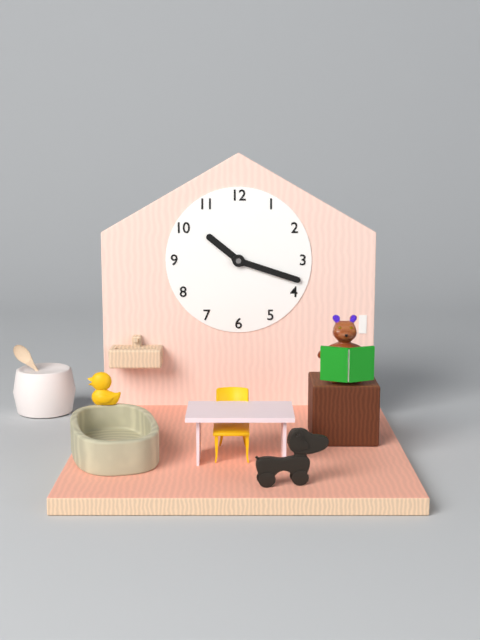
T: 10:18
